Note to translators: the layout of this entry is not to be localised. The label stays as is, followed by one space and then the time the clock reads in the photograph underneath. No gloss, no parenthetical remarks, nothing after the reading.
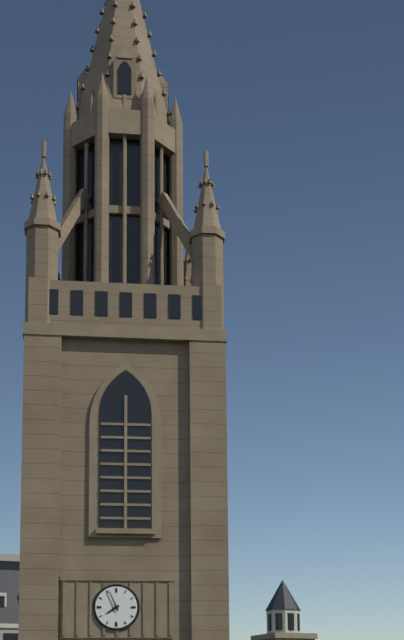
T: 7:56
